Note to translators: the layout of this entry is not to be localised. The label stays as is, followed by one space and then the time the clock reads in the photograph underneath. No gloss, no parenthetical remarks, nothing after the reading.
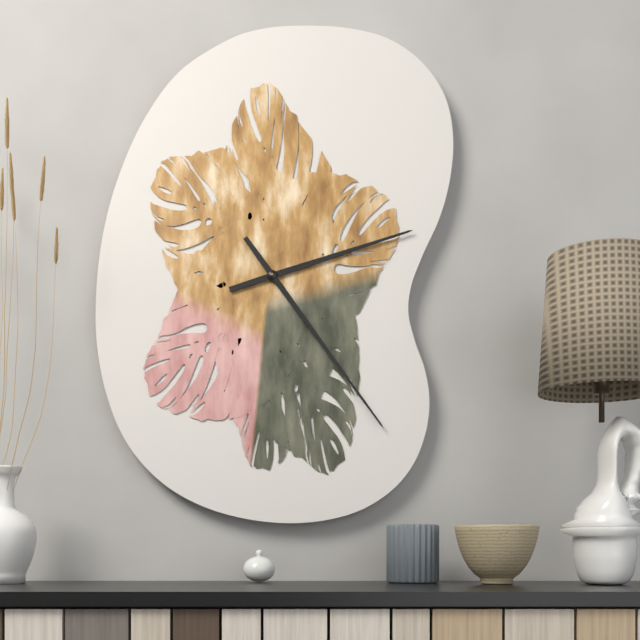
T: 2:24
